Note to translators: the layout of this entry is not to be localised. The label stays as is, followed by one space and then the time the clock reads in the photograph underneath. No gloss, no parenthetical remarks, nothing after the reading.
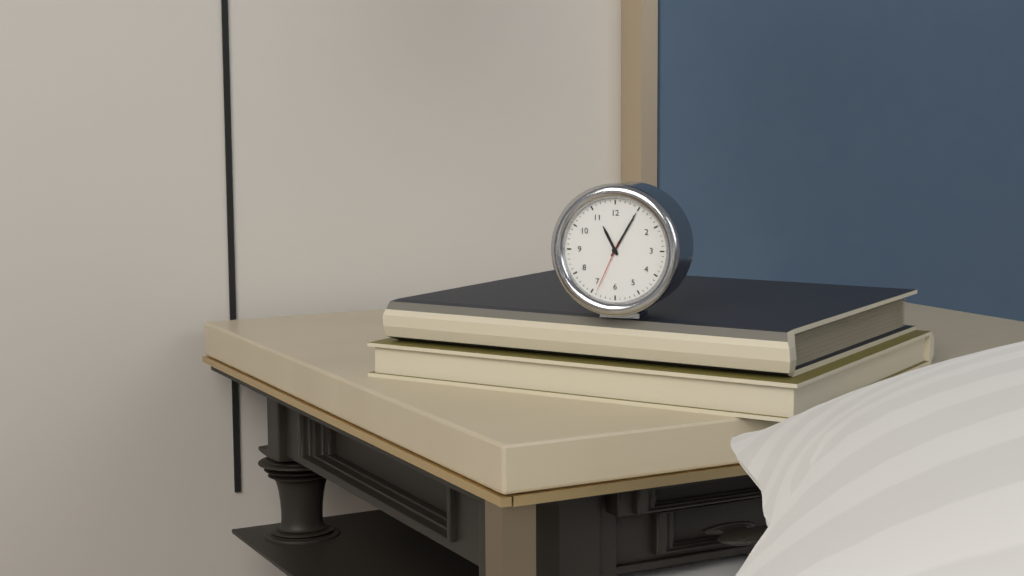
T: 11:05:34
